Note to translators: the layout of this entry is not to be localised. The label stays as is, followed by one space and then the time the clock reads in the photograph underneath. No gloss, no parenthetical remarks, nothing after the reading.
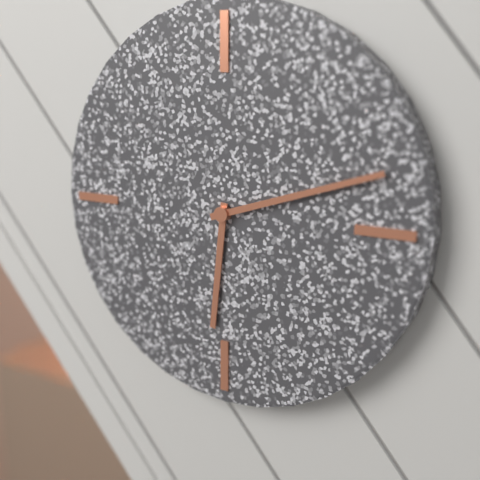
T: 6:12
